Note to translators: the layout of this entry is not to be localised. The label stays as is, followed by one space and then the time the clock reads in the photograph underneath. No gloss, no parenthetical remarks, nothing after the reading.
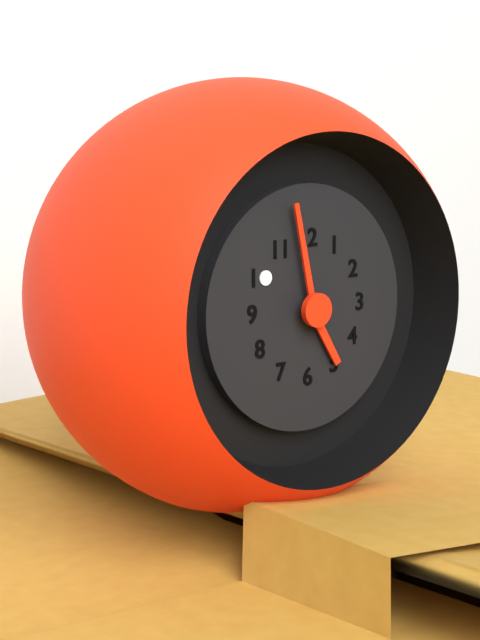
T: 4:58
